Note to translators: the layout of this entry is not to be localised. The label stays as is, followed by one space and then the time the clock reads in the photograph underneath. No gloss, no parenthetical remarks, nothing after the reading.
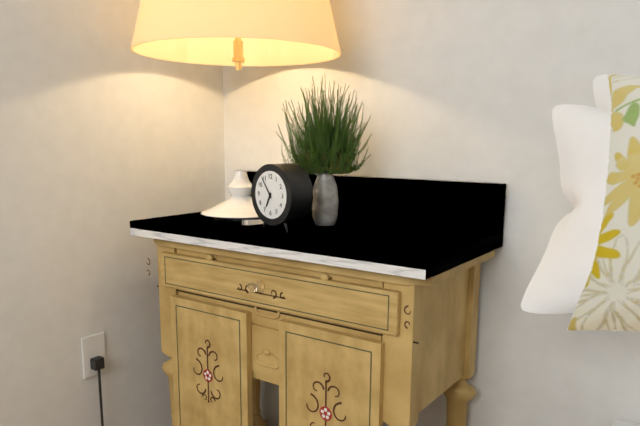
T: 6:54
